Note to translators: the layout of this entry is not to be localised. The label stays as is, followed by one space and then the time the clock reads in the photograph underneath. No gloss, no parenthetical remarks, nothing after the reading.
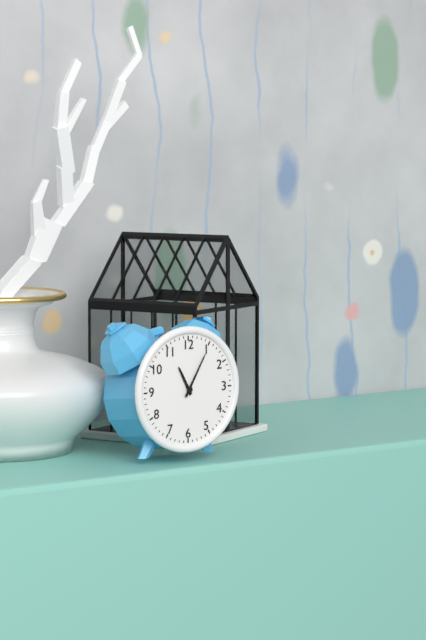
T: 11:05
